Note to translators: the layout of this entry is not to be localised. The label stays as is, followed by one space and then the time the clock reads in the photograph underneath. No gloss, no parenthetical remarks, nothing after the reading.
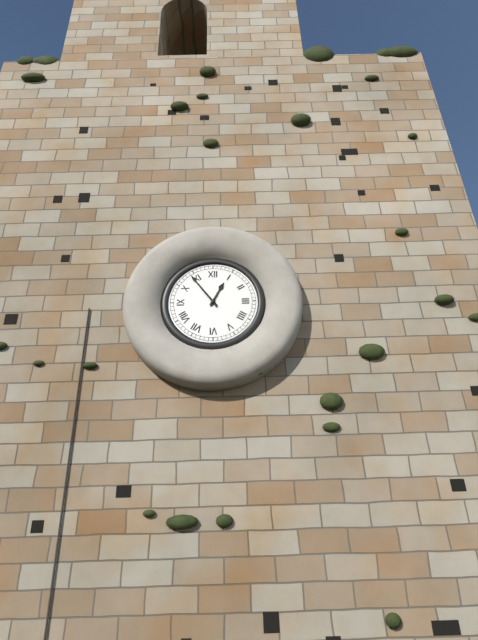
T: 12:54
